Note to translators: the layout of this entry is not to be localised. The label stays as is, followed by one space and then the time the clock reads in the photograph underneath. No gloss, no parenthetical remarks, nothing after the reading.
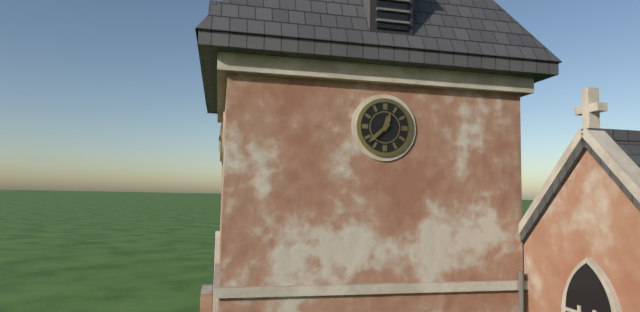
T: 12:38
